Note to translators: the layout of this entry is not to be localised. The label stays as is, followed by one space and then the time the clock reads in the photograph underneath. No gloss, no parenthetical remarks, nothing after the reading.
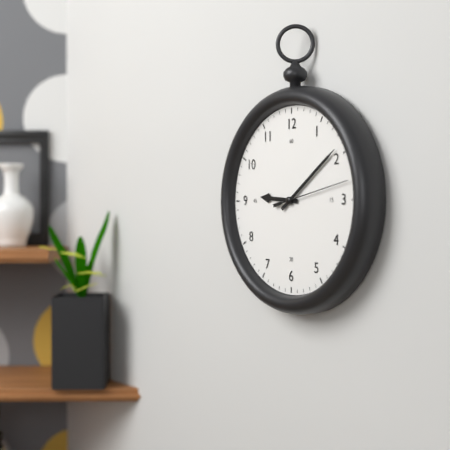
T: 9:09:13
